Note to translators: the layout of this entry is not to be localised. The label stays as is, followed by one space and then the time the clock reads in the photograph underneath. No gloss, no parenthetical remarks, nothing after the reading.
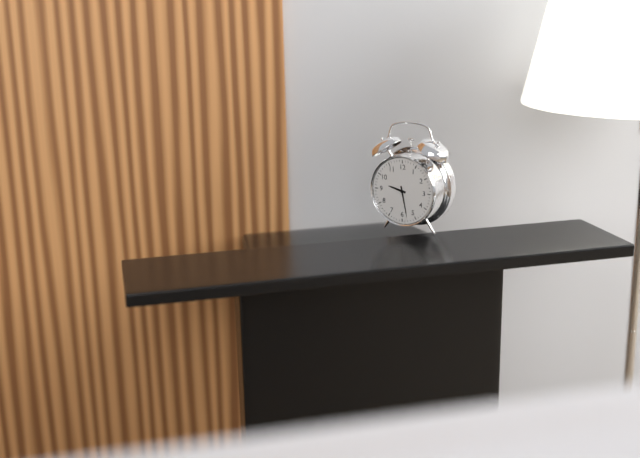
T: 9:28
